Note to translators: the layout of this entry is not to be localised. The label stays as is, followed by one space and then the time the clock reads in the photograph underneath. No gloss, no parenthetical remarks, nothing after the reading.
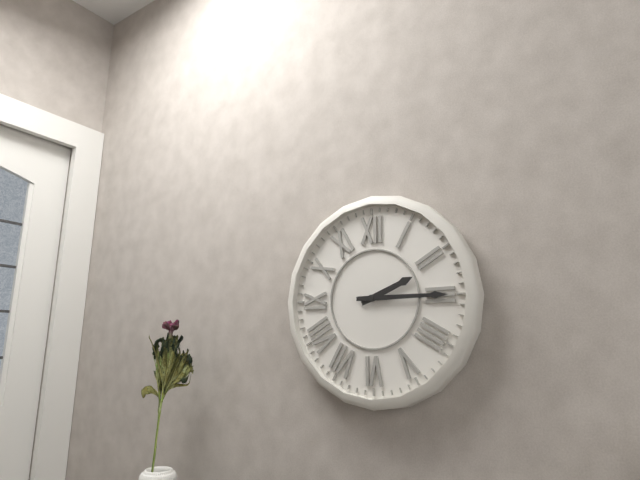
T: 2:15
